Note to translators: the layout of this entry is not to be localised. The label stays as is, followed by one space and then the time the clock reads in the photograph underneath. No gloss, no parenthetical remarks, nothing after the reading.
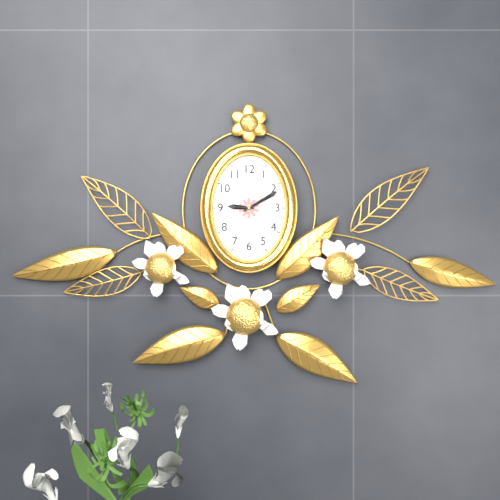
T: 9:10
